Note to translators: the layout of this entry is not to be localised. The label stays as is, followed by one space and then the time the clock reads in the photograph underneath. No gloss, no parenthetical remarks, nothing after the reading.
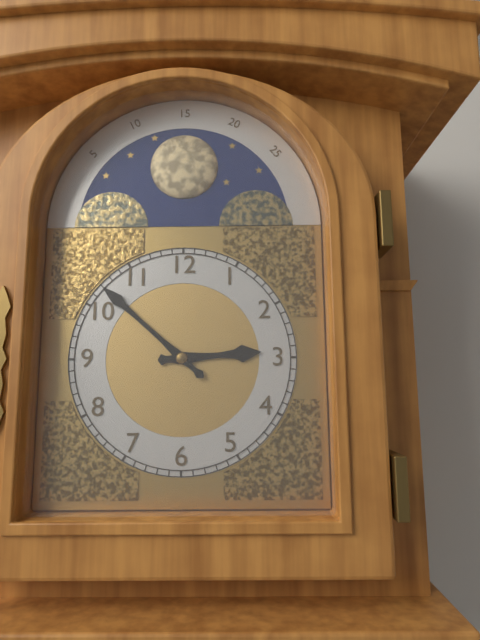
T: 2:52
